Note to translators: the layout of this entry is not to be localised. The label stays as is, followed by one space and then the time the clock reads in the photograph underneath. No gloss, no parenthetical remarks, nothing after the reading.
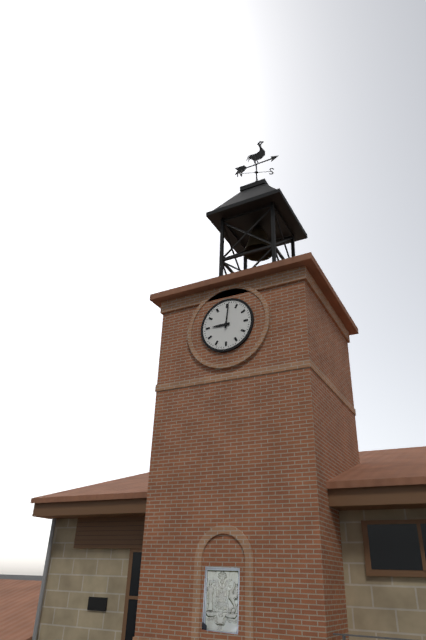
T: 9:01
